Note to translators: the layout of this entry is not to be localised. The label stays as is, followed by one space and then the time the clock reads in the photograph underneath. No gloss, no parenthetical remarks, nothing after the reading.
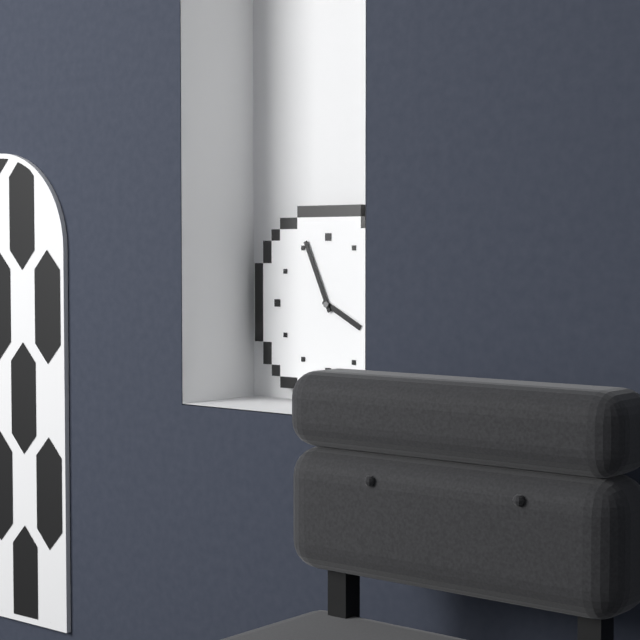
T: 3:56
